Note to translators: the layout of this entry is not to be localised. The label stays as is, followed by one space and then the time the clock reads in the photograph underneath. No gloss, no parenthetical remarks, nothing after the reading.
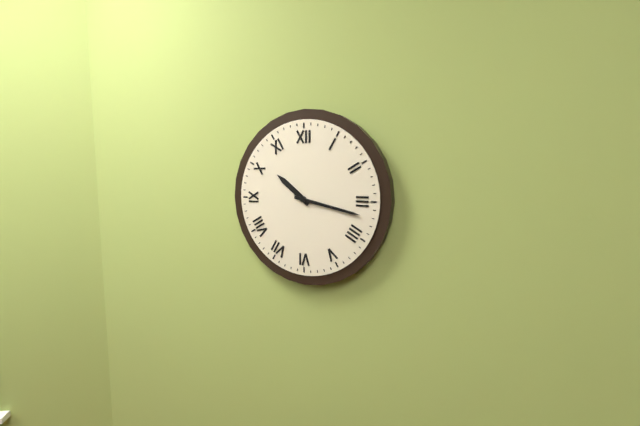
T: 10:17
